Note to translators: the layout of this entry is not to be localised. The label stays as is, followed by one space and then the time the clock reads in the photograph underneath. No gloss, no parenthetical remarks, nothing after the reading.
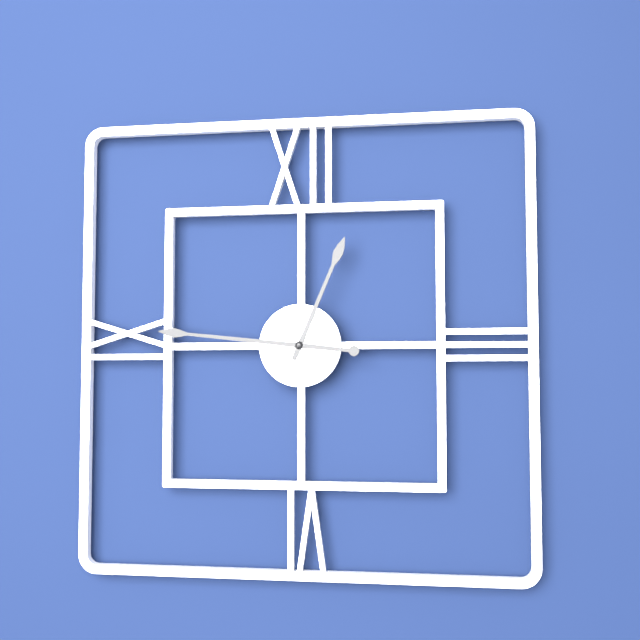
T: 12:46
